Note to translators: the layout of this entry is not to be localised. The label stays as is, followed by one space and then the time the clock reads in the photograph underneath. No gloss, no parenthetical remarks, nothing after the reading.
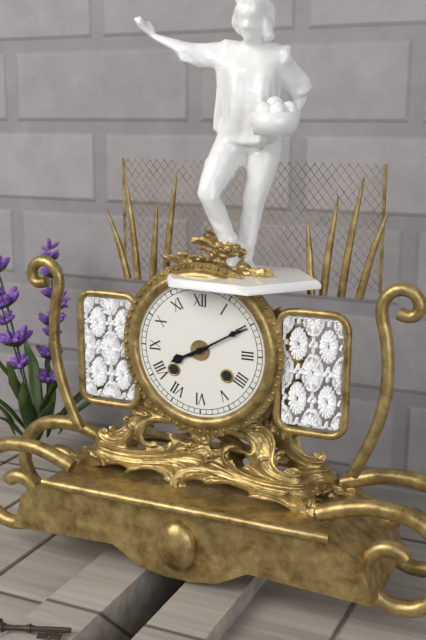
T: 8:10
